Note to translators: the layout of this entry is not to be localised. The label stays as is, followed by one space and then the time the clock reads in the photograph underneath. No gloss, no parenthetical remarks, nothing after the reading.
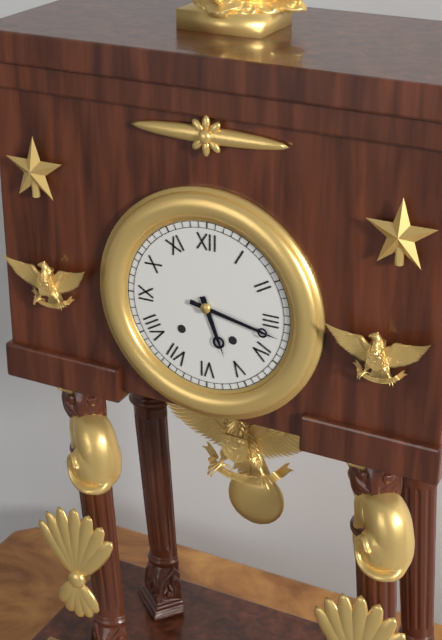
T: 5:17
